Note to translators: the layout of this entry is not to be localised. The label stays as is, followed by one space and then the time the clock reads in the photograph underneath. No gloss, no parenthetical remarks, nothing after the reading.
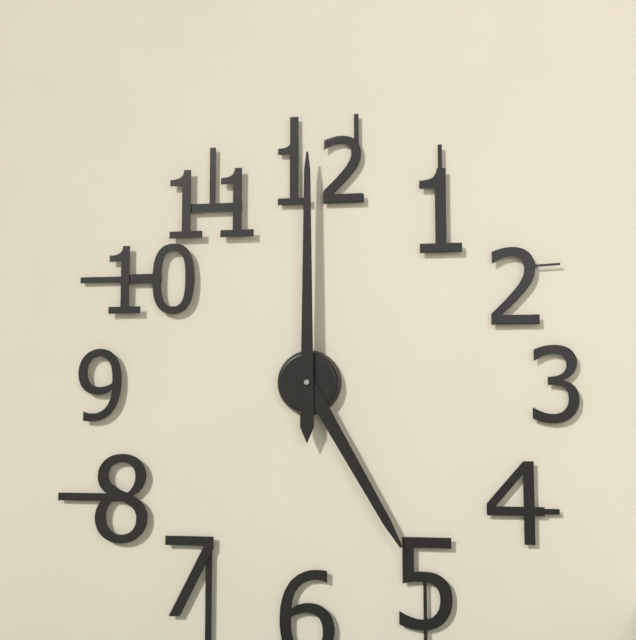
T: 5:00
